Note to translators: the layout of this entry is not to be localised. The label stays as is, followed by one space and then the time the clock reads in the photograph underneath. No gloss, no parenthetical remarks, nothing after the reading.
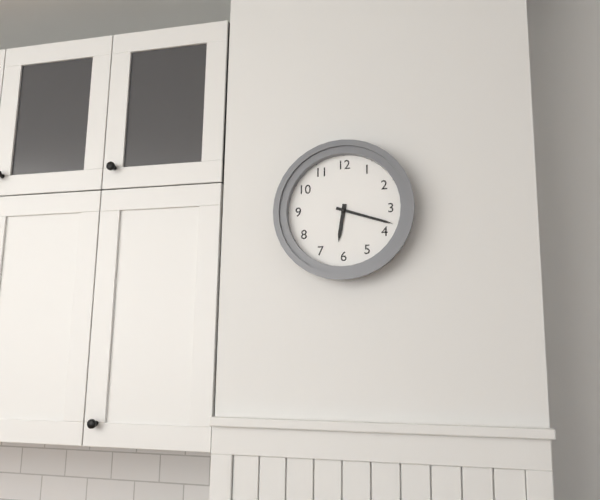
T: 6:18
